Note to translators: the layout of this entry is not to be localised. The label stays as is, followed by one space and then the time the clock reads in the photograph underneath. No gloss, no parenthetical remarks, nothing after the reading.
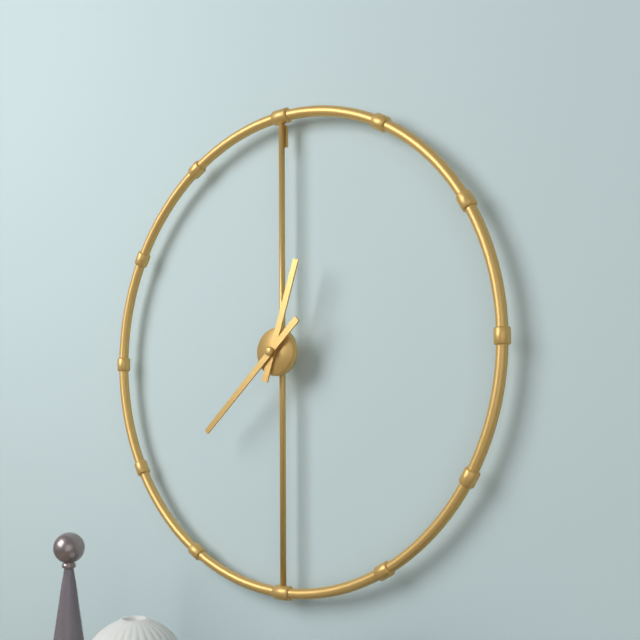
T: 12:38
